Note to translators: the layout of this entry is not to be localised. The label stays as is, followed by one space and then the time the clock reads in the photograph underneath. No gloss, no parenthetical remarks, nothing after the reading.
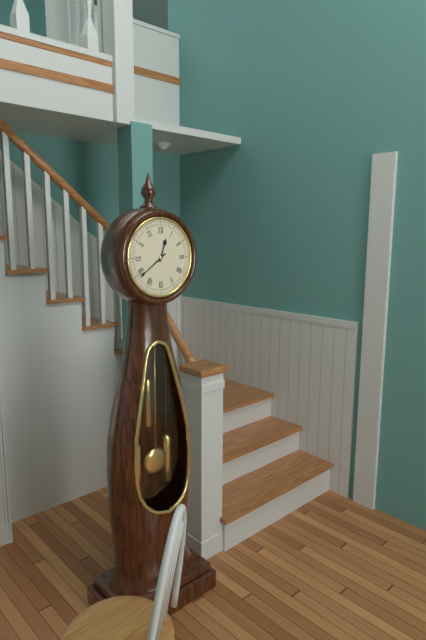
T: 12:39
